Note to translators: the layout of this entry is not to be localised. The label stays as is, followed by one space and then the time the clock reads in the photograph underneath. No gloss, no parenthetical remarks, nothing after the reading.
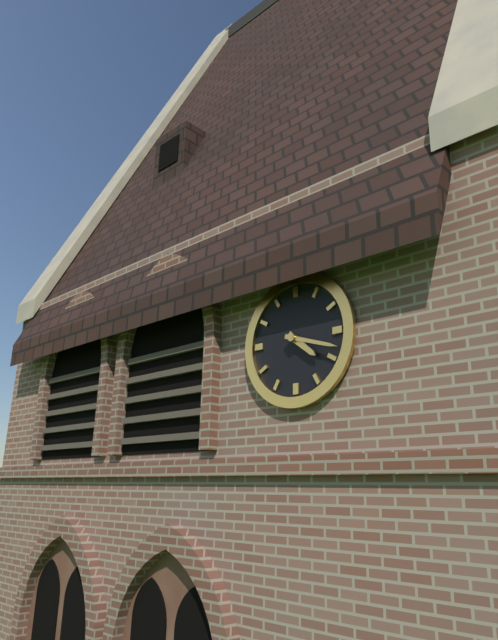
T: 4:18
